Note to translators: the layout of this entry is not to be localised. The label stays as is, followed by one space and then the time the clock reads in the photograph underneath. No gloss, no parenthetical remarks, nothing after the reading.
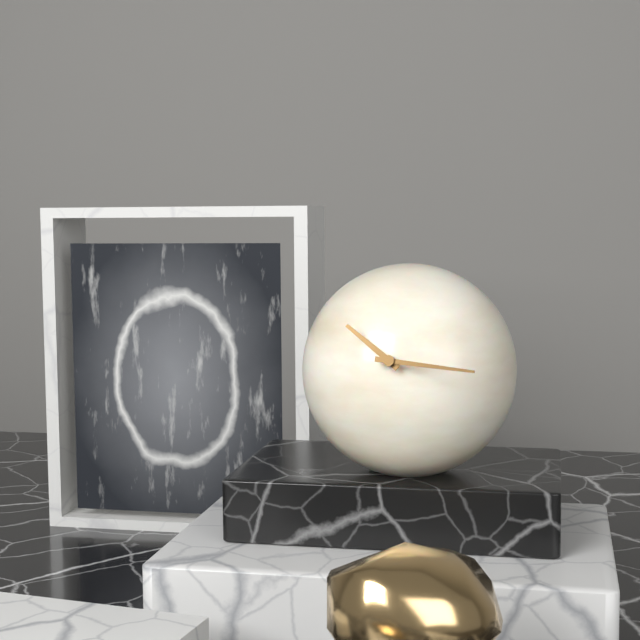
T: 10:16
